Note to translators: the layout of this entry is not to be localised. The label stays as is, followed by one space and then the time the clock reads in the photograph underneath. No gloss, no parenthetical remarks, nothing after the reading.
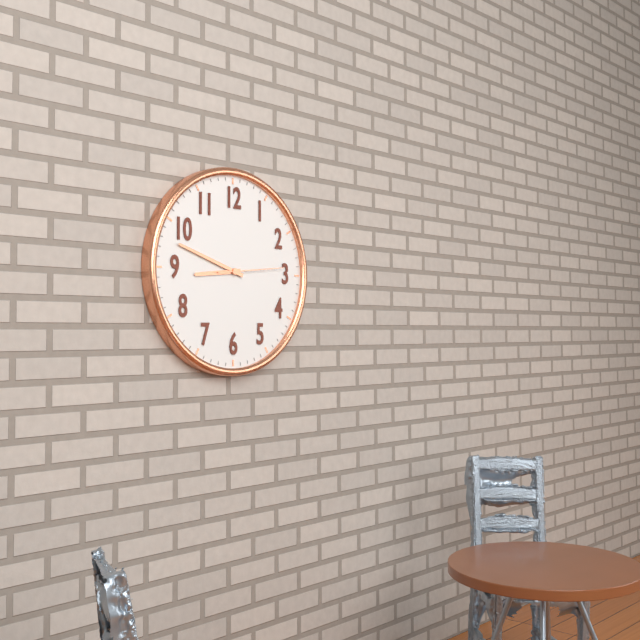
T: 8:48:14
